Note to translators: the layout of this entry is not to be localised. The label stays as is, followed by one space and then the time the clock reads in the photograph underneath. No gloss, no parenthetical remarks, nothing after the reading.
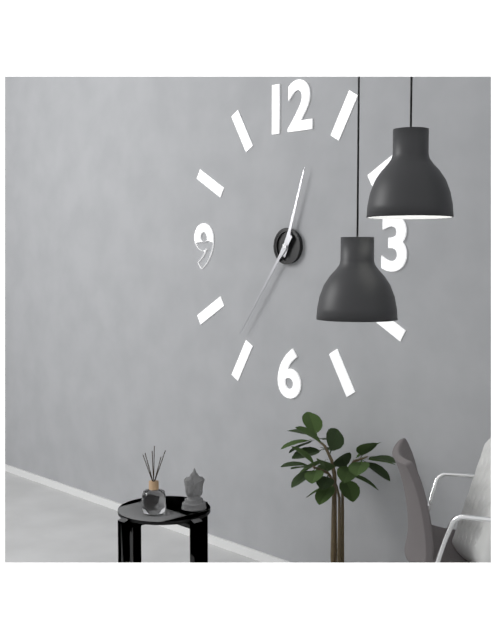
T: 12:36
